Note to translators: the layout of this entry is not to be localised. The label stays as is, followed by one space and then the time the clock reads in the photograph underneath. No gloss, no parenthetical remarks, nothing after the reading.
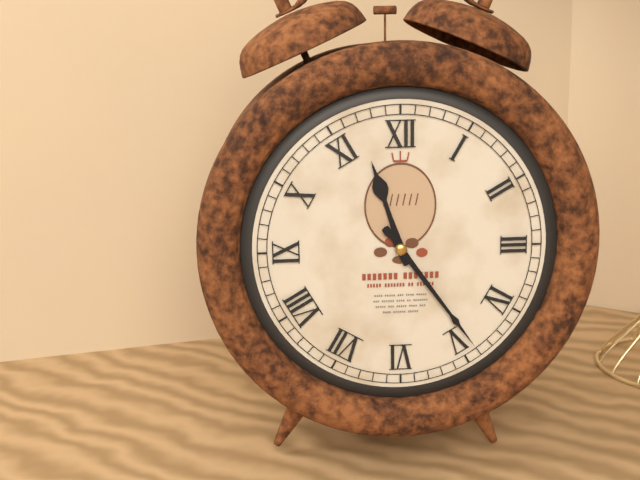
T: 11:24
